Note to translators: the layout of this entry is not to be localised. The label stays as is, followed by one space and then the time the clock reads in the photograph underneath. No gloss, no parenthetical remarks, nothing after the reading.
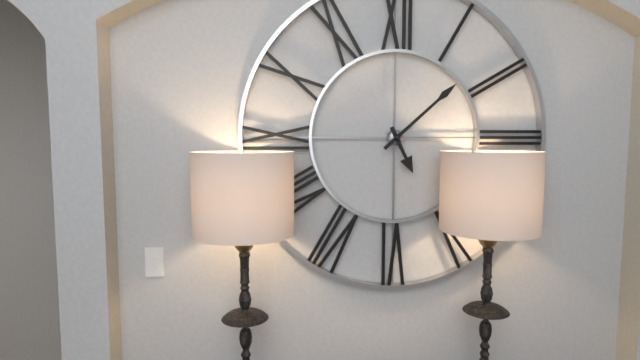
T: 5:08
